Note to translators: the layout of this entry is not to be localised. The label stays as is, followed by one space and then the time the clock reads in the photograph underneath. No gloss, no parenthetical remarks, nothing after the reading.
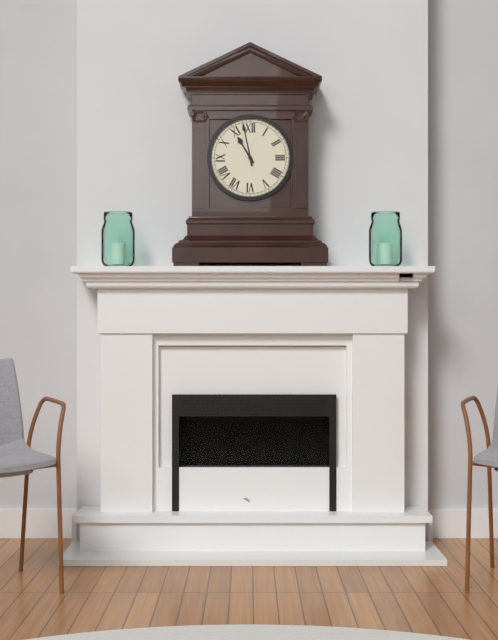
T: 10:58
